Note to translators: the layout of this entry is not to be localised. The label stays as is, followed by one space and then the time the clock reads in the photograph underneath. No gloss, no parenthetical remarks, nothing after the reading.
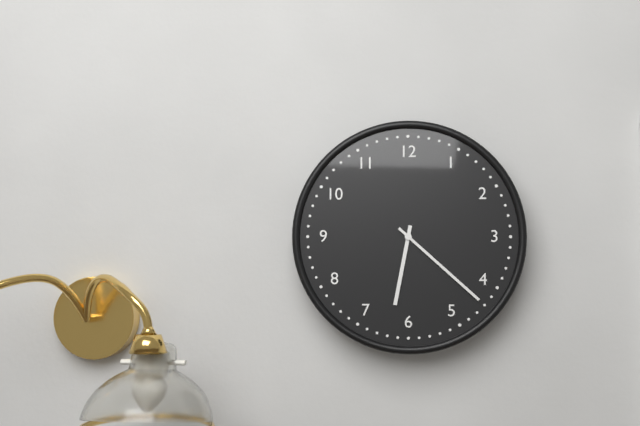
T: 6:22
